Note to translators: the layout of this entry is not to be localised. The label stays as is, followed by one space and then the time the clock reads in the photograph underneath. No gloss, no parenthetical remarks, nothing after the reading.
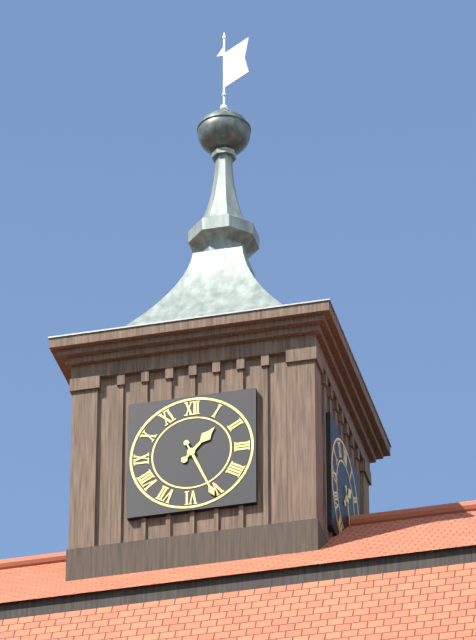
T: 1:26
